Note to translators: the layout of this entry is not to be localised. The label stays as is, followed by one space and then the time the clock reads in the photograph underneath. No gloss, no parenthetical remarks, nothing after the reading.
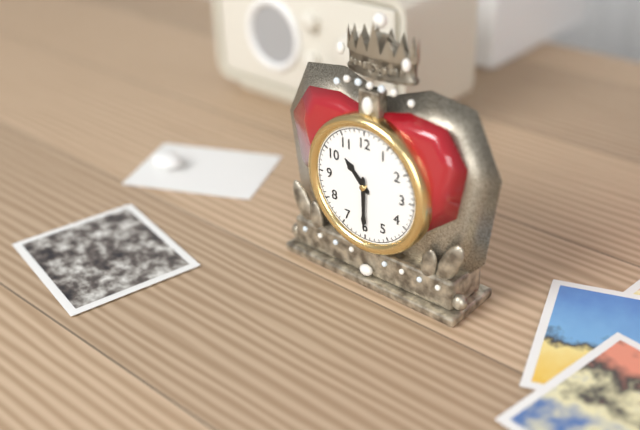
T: 10:30
